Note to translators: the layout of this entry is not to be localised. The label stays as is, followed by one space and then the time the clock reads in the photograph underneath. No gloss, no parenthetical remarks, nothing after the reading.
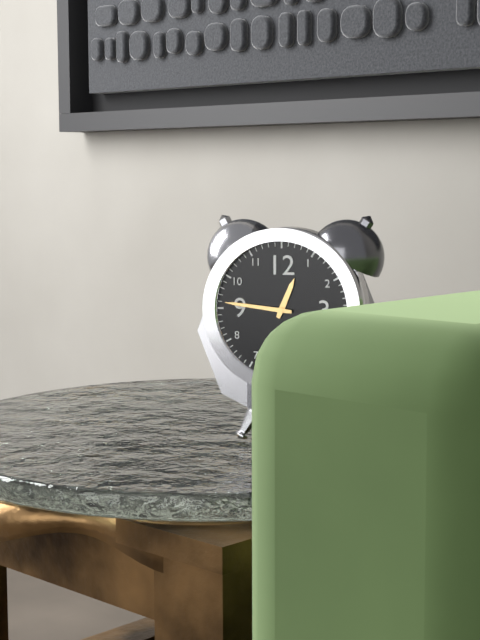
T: 12:46
